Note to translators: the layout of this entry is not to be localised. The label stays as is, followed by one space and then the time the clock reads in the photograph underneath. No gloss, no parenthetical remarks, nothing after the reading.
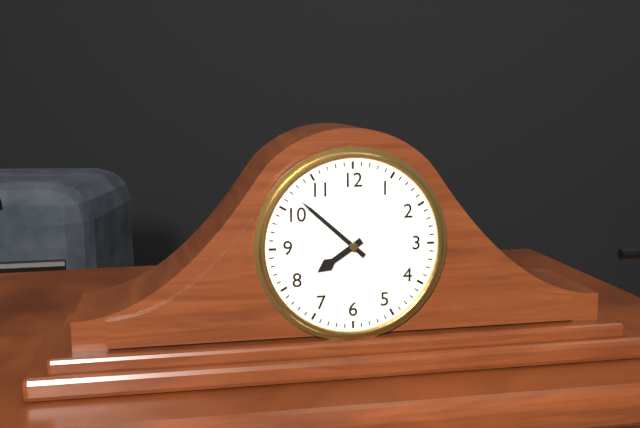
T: 7:52
